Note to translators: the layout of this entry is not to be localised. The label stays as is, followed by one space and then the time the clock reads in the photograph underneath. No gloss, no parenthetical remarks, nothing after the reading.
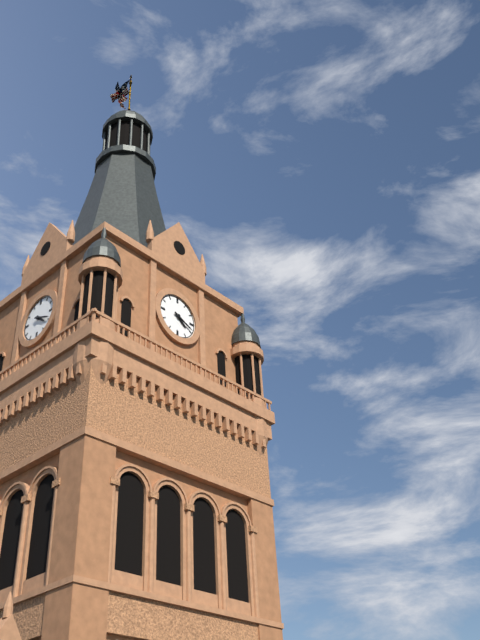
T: 4:19
